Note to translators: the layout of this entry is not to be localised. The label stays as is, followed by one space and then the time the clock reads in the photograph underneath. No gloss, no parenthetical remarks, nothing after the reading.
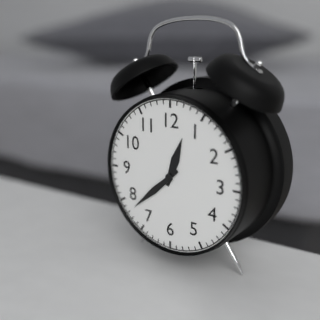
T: 12:38
